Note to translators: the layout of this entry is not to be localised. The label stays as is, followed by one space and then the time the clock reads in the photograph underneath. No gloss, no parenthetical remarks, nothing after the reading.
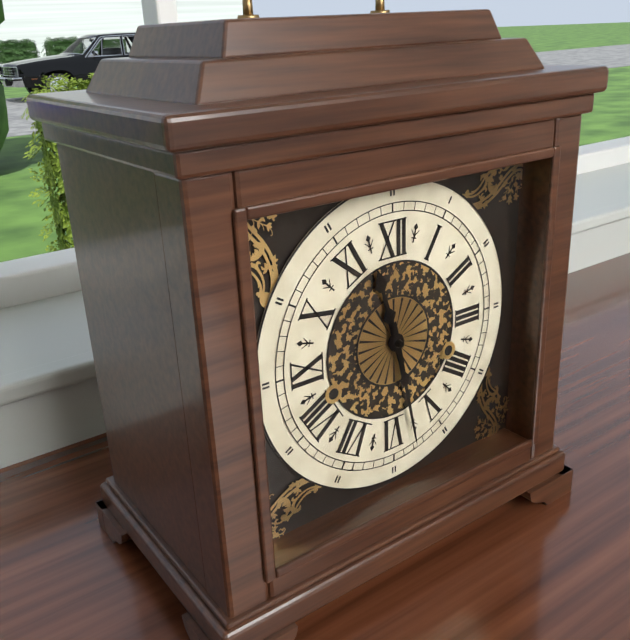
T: 11:28
